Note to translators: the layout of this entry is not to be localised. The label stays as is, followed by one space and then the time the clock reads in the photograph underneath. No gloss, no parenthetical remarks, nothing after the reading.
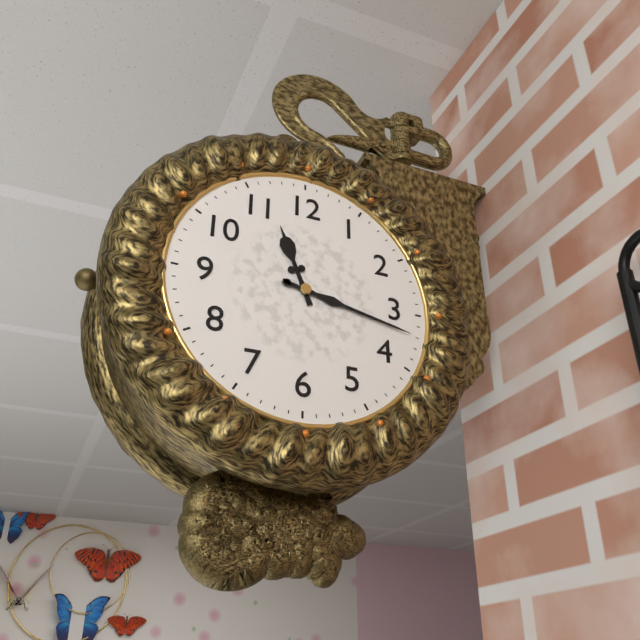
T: 11:17
